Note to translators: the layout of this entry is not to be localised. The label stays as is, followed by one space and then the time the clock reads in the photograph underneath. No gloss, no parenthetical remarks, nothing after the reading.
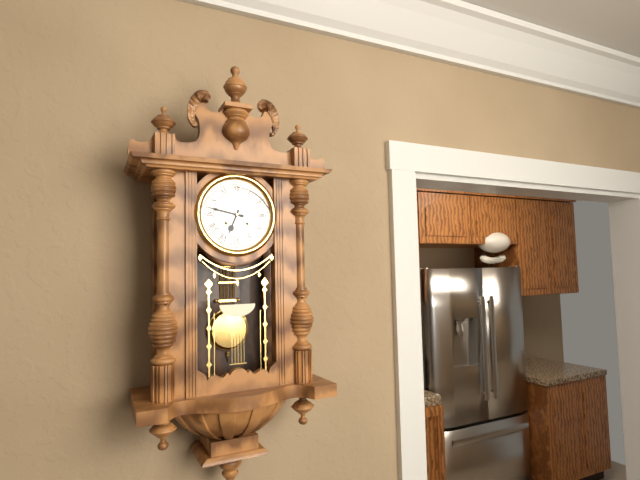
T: 6:47
